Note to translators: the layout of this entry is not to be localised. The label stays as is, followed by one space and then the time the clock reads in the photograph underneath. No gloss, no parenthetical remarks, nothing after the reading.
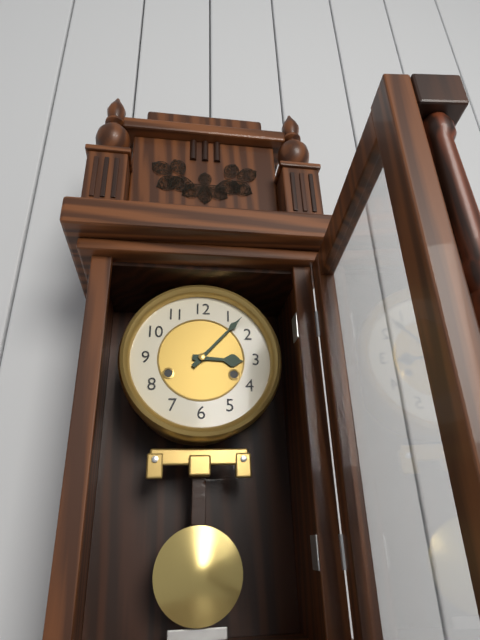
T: 3:07
